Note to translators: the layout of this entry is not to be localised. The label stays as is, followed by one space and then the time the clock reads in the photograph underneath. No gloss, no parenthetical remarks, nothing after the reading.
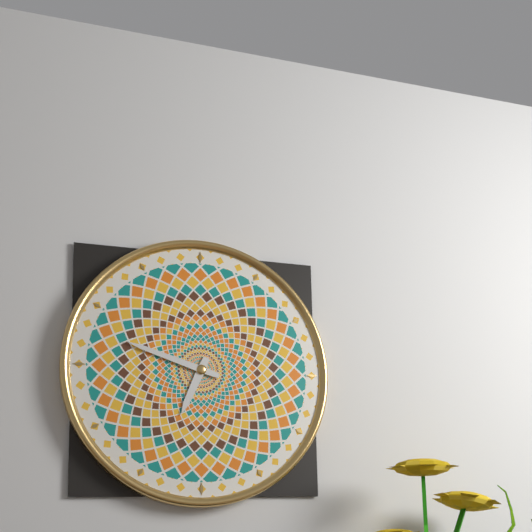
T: 6:48
